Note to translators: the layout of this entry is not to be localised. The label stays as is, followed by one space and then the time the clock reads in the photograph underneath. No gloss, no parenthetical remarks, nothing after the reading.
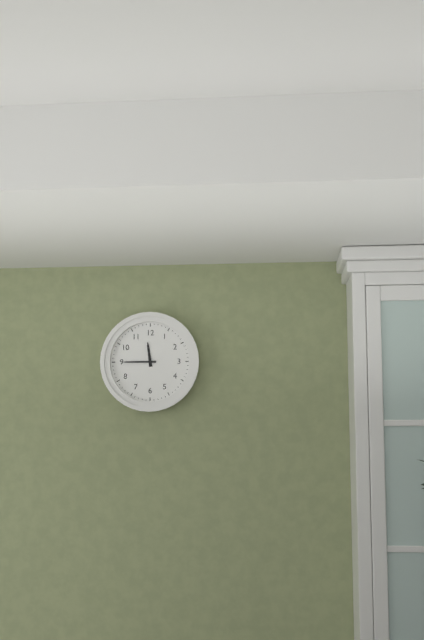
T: 11:45
